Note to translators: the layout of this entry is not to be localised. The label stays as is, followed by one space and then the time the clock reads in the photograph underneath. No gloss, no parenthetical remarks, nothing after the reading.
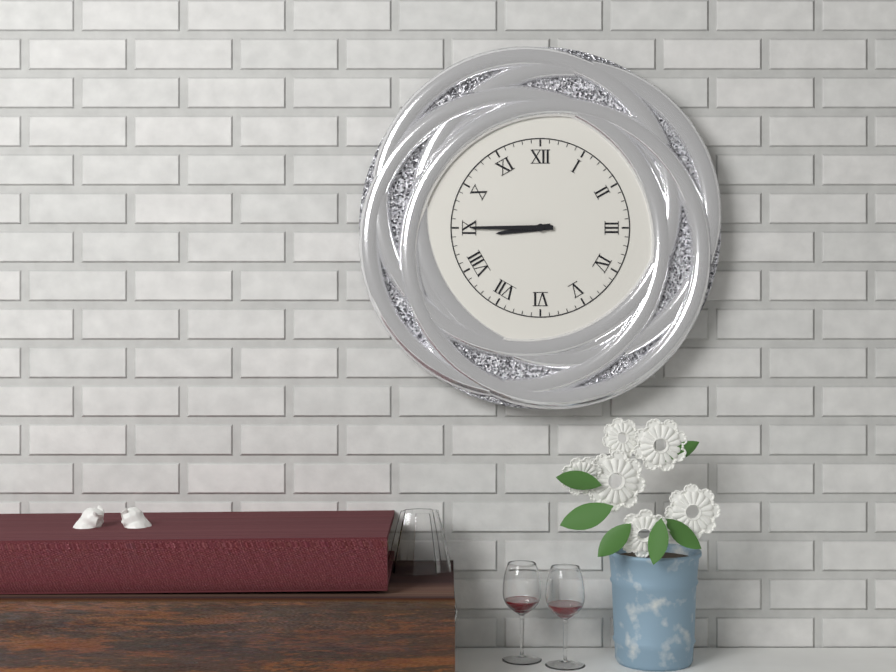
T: 8:45
